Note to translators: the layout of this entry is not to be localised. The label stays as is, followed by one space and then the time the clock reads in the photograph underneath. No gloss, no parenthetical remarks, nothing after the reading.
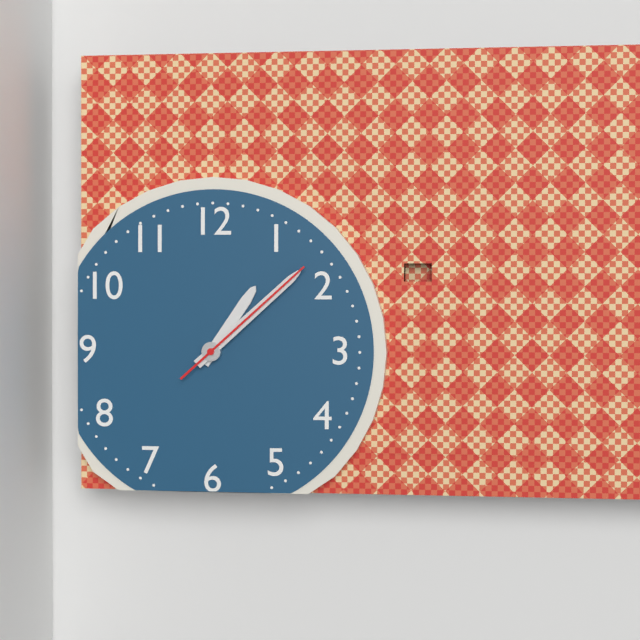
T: 1:08:08
